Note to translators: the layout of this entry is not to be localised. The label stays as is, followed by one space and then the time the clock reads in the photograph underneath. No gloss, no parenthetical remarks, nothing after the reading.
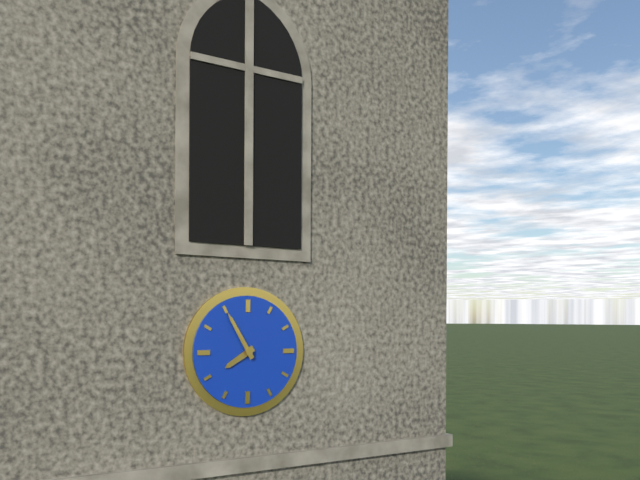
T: 7:55
